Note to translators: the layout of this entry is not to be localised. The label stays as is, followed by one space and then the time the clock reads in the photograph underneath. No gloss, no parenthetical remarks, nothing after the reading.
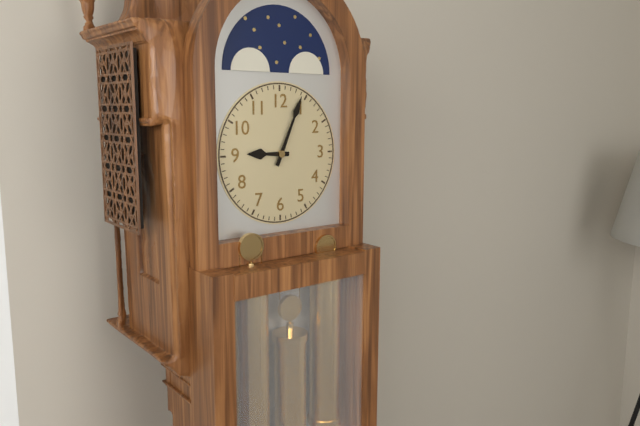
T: 9:04
